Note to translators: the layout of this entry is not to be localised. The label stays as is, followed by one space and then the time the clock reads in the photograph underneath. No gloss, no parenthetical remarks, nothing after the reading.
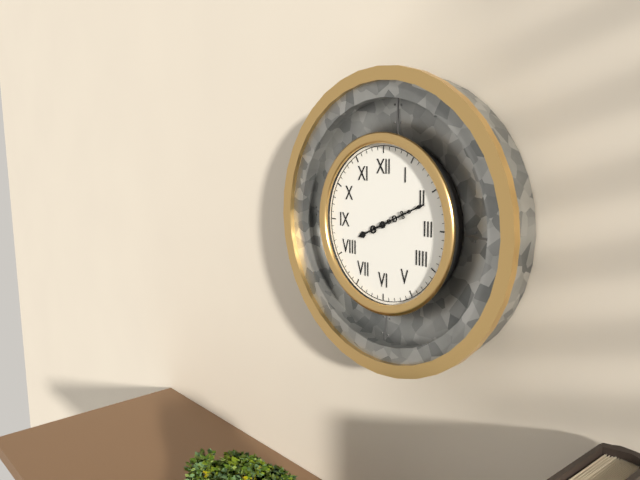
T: 8:11
